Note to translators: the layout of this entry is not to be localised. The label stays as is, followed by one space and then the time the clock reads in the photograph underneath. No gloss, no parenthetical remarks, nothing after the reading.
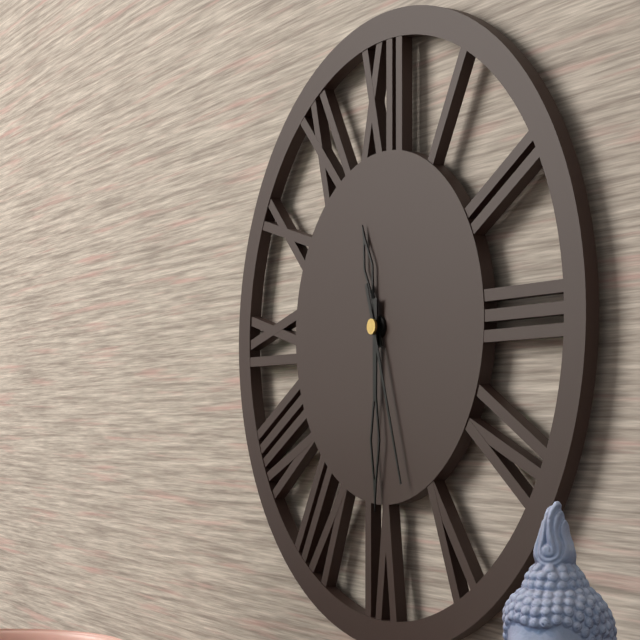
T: 11:30:27
